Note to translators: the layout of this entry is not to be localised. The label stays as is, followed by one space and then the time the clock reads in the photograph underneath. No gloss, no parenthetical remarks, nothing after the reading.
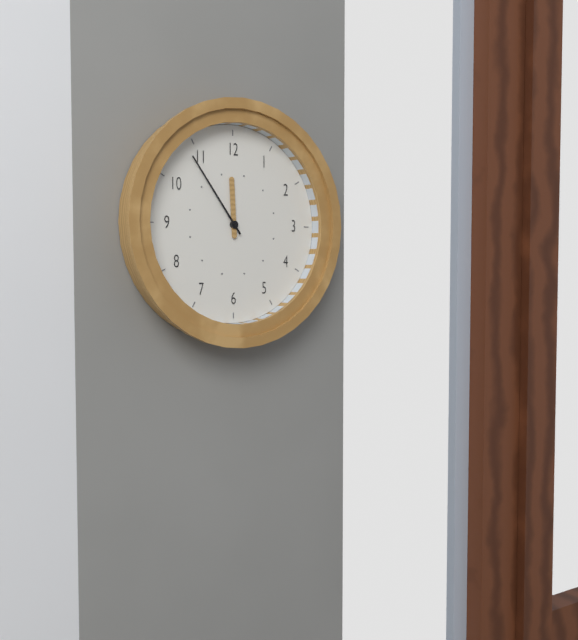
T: 11:54
